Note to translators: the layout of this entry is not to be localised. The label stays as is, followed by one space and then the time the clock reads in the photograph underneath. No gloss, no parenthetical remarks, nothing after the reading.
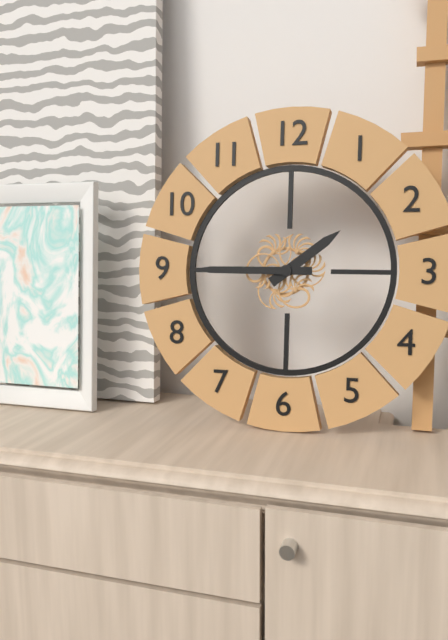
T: 1:45
